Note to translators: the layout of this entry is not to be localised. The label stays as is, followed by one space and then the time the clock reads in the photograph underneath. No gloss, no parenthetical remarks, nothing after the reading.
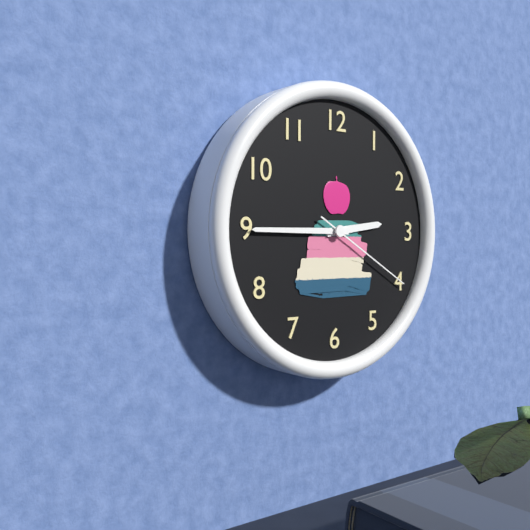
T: 2:45:20
